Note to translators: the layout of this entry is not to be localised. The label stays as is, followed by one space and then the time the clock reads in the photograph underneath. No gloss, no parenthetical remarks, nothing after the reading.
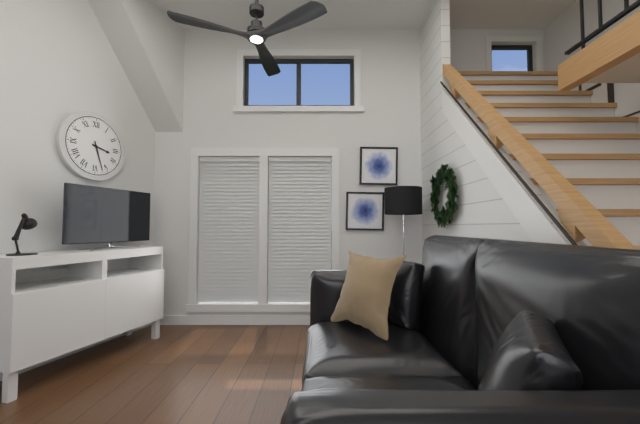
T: 3:27
